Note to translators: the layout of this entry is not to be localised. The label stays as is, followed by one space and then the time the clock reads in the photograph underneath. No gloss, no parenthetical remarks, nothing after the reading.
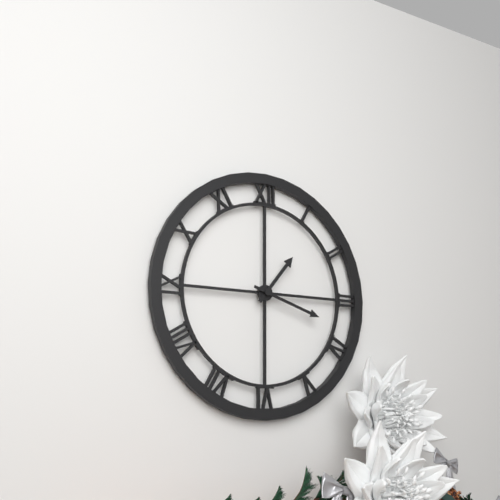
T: 1:18
